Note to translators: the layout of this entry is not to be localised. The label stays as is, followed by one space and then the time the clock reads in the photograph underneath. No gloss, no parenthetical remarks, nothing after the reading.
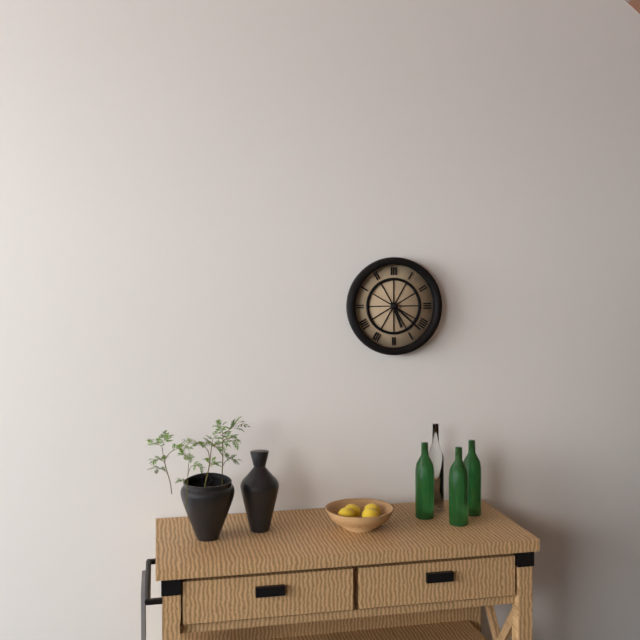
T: 5:22
